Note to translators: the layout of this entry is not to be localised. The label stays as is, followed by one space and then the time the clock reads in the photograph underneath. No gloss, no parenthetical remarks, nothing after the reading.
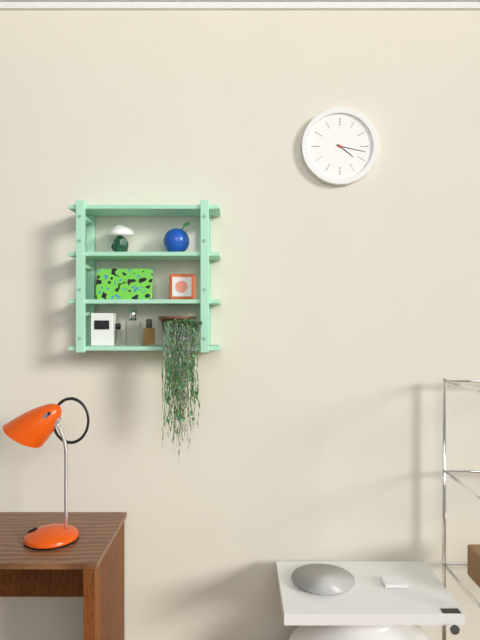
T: 4:17
